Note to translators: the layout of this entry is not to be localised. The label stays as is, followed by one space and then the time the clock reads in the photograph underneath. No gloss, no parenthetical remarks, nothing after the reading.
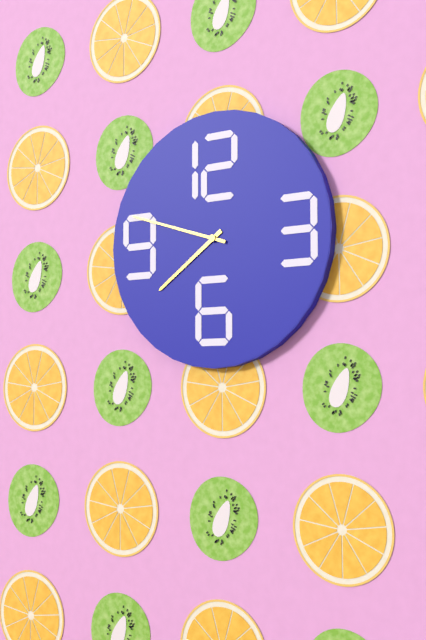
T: 7:48
